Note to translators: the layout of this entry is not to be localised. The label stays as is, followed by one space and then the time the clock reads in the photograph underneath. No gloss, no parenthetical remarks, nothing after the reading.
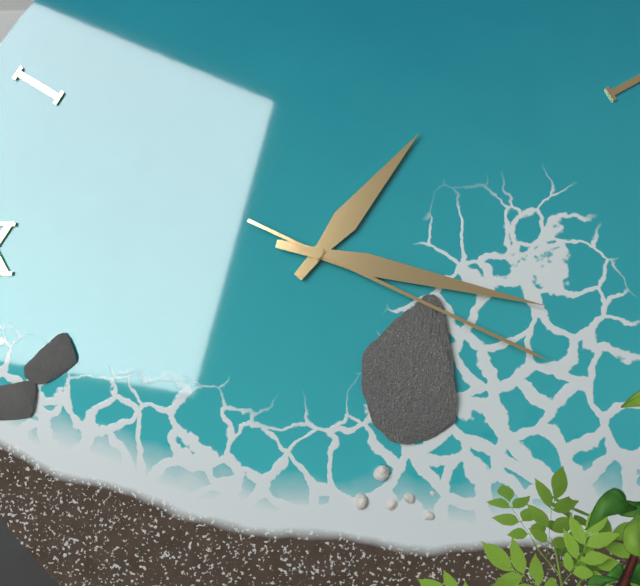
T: 1:17:19
